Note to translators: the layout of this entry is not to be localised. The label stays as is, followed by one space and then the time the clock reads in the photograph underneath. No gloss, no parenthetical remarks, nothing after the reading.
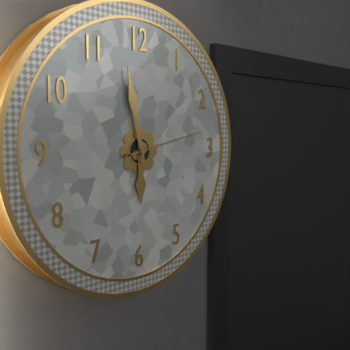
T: 5:58:13
